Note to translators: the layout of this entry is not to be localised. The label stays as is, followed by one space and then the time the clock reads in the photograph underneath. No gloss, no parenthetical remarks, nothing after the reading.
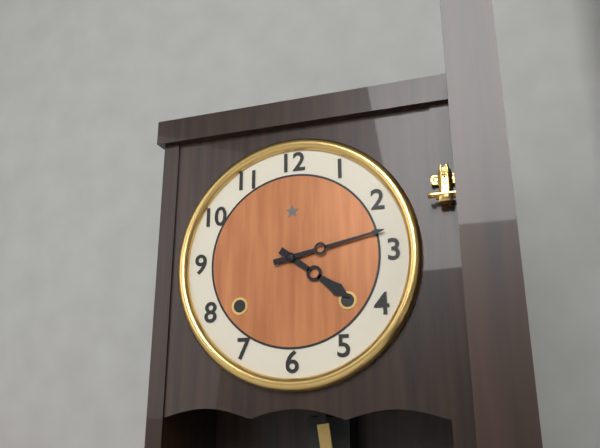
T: 4:13
